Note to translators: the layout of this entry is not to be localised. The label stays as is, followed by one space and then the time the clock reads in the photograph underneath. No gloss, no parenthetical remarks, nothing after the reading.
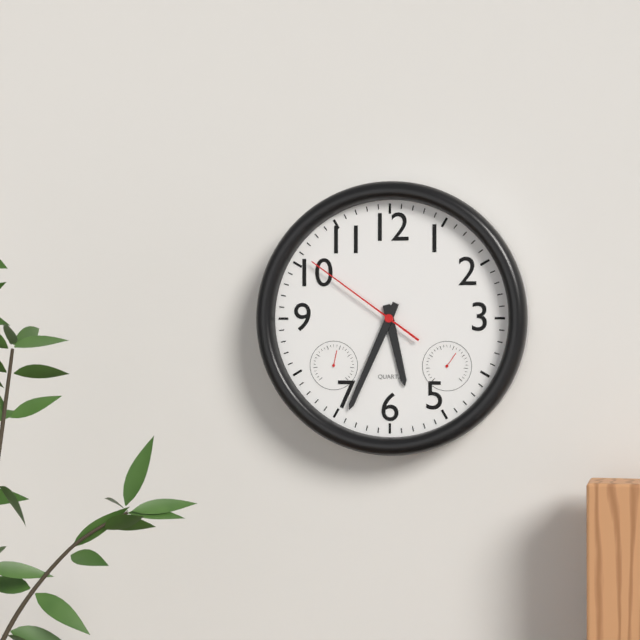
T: 5:34:51
